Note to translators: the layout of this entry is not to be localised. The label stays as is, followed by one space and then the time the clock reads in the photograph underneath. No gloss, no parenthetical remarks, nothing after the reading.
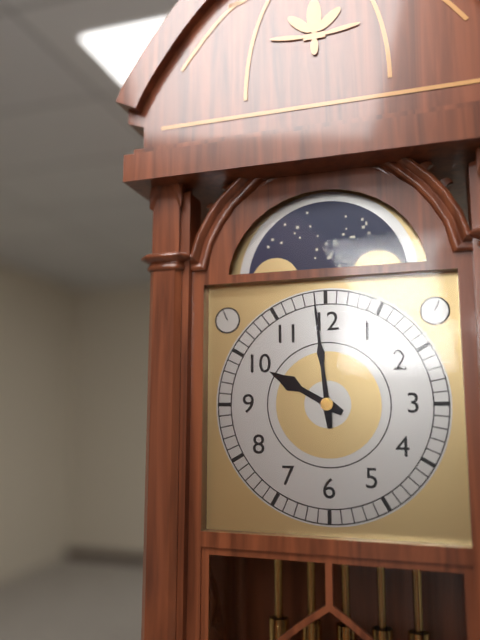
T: 9:59
